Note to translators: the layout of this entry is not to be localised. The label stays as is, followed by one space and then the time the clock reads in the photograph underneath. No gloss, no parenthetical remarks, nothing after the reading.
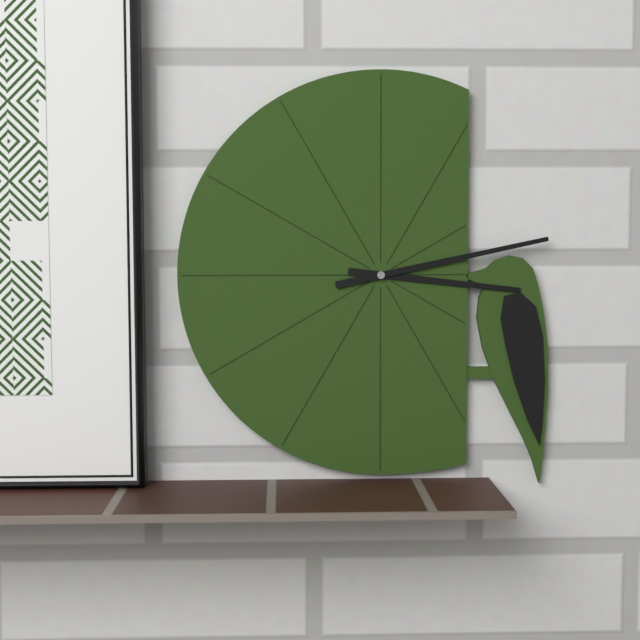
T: 3:13
